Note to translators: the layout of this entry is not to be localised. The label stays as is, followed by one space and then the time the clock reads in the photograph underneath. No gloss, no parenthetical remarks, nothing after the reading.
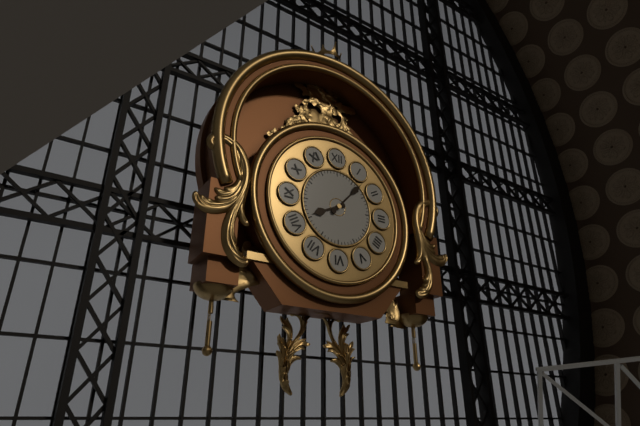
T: 8:07
